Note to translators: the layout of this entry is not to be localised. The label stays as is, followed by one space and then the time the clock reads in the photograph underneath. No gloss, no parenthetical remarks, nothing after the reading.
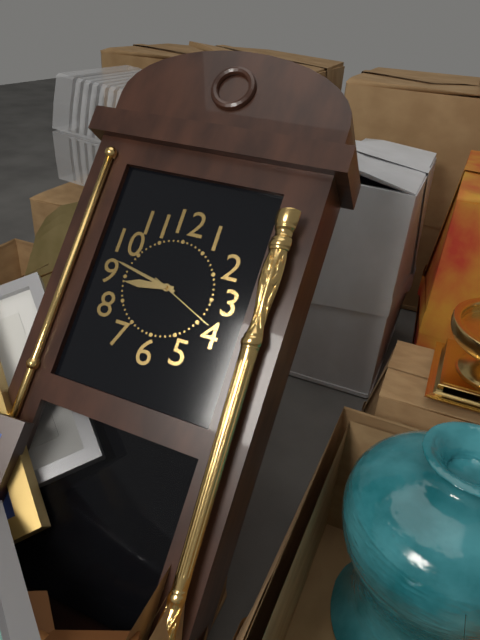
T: 8:47:19
